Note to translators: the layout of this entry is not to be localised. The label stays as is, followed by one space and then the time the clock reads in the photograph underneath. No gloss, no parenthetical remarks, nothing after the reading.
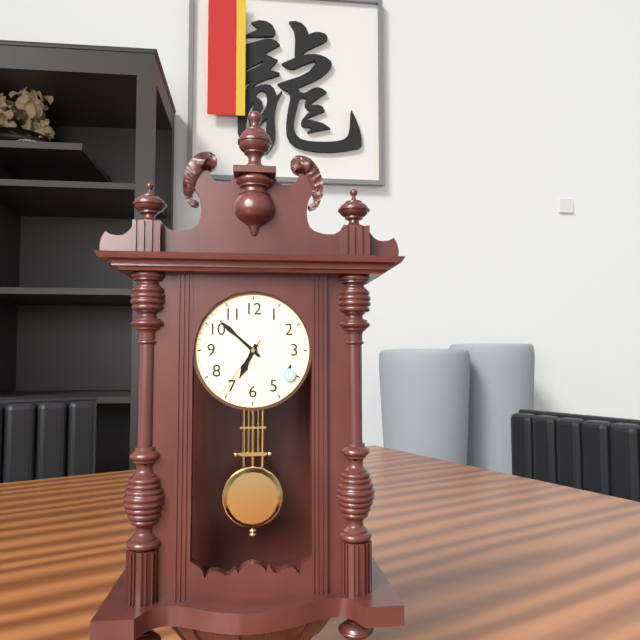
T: 6:52:36
